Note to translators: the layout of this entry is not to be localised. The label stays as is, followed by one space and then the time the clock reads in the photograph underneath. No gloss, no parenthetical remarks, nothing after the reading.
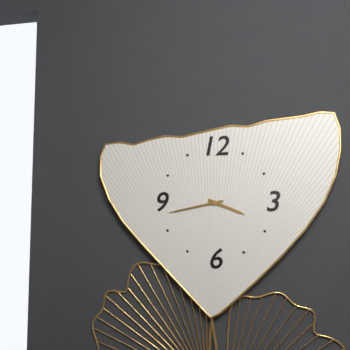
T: 3:43
